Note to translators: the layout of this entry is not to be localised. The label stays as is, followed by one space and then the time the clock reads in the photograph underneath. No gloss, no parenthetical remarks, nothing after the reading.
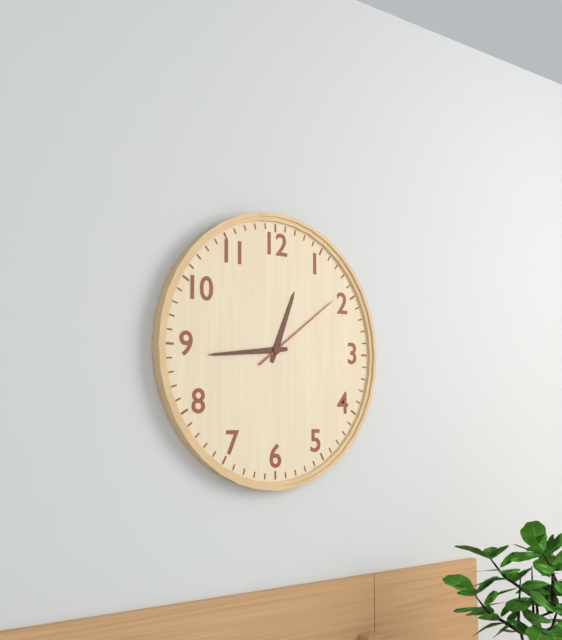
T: 12:44:09
